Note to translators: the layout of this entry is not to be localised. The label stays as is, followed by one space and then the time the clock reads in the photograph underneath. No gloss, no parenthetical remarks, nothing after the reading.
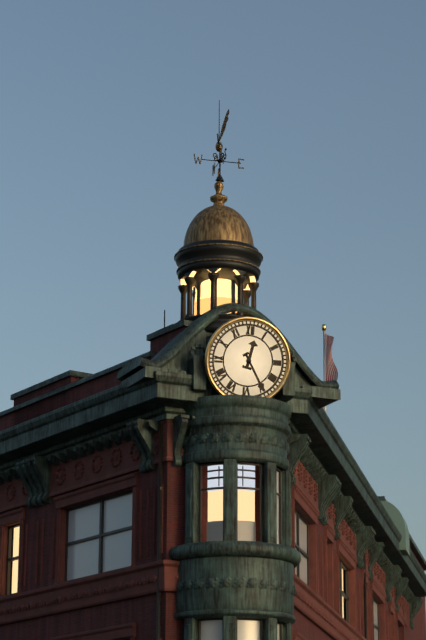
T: 12:25
